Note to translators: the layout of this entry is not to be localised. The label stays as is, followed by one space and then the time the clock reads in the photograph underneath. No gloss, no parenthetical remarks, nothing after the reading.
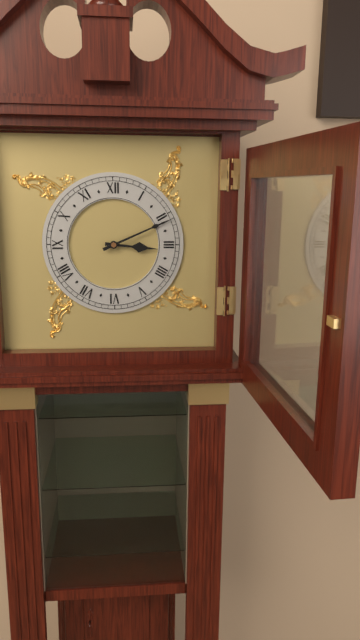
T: 3:11
